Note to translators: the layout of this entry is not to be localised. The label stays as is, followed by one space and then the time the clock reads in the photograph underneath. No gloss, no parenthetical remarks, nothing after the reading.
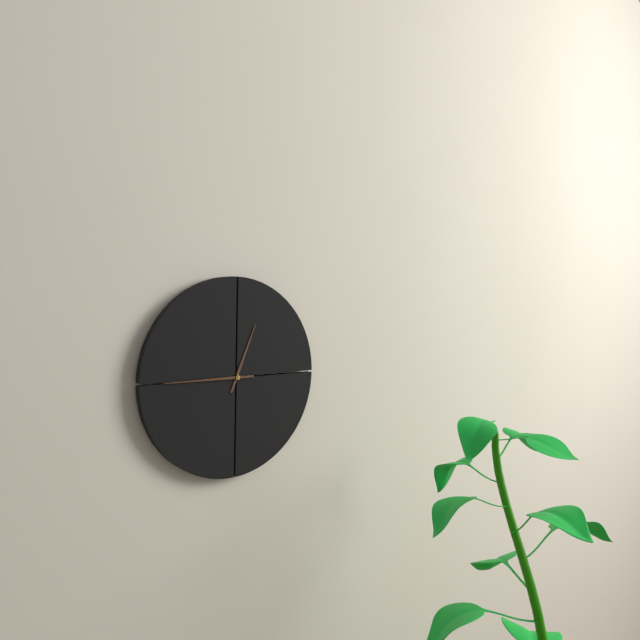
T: 12:45
